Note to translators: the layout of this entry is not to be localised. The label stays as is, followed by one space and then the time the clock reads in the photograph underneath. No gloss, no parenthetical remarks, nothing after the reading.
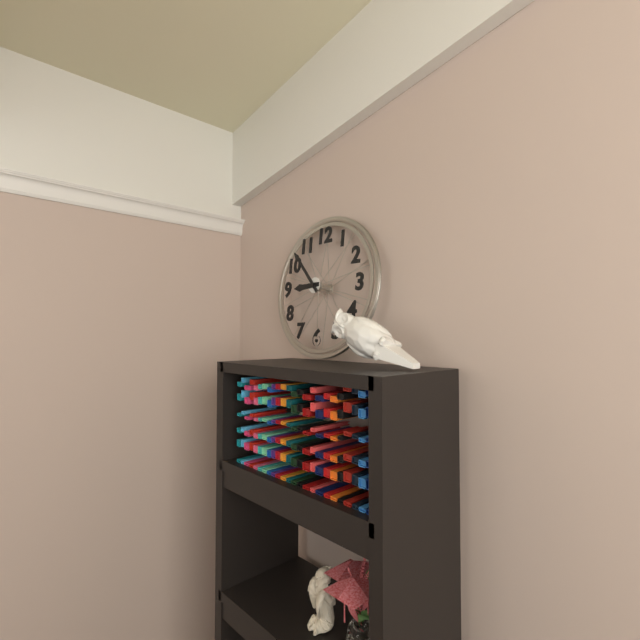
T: 8:53
